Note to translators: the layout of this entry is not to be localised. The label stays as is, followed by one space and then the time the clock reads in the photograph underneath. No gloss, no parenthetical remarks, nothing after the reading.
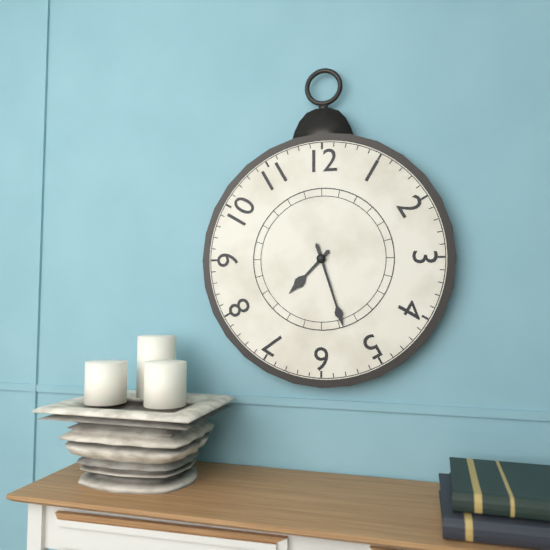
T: 7:27
